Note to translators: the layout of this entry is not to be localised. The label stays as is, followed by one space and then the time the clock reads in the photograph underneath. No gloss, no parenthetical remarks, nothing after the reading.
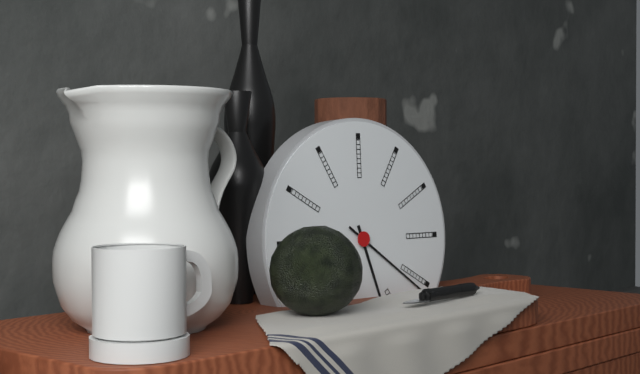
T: 5:21
